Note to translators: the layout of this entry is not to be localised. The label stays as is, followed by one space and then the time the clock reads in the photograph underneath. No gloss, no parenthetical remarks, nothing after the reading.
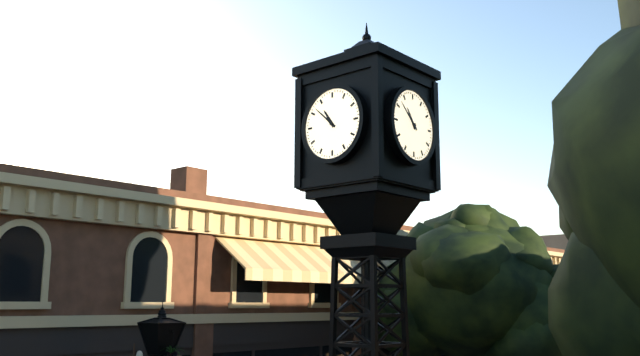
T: 10:52
